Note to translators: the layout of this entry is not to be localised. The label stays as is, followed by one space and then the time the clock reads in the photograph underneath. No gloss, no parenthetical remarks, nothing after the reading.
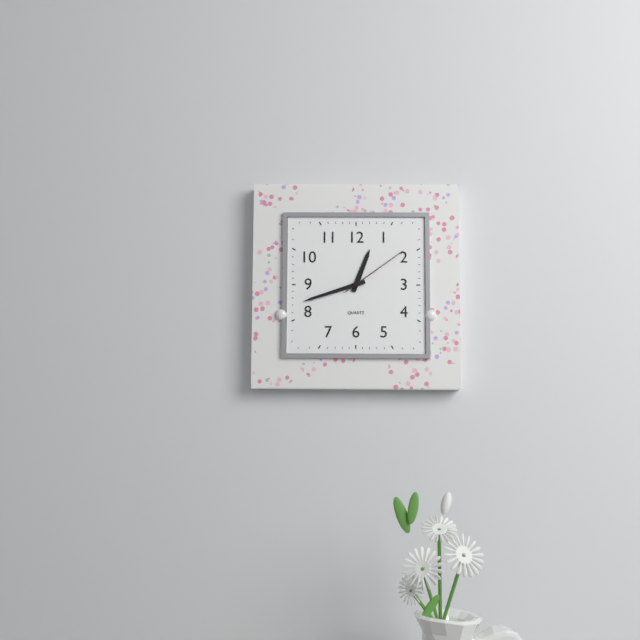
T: 12:42:09
